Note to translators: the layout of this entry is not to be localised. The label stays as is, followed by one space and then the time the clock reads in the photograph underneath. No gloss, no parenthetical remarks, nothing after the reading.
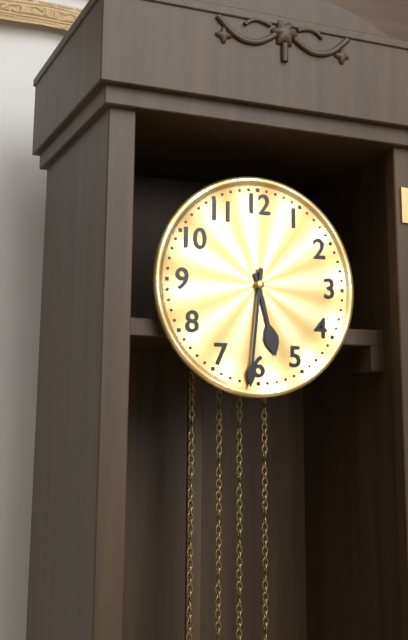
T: 5:31
